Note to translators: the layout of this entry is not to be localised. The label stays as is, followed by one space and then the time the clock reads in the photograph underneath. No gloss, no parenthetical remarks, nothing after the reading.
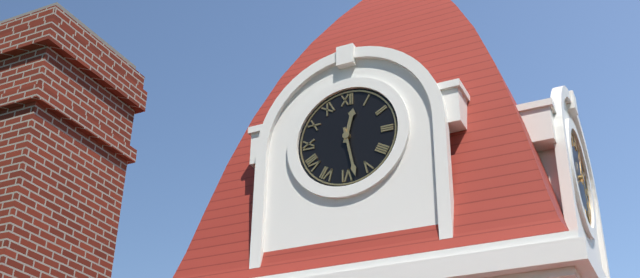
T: 12:28
